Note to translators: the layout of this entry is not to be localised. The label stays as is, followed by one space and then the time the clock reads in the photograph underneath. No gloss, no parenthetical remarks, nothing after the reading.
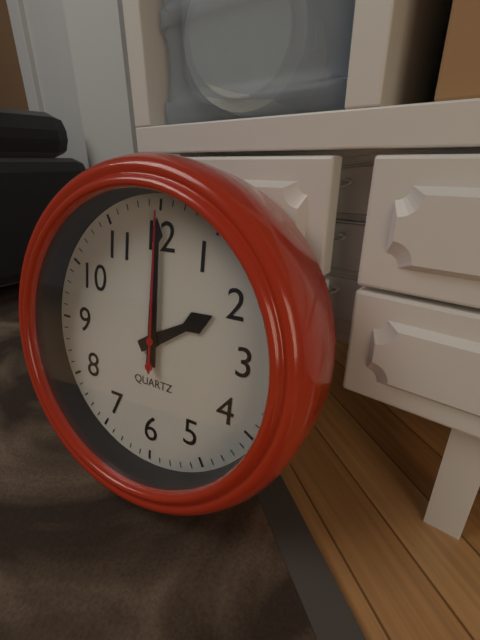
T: 2:00:00
